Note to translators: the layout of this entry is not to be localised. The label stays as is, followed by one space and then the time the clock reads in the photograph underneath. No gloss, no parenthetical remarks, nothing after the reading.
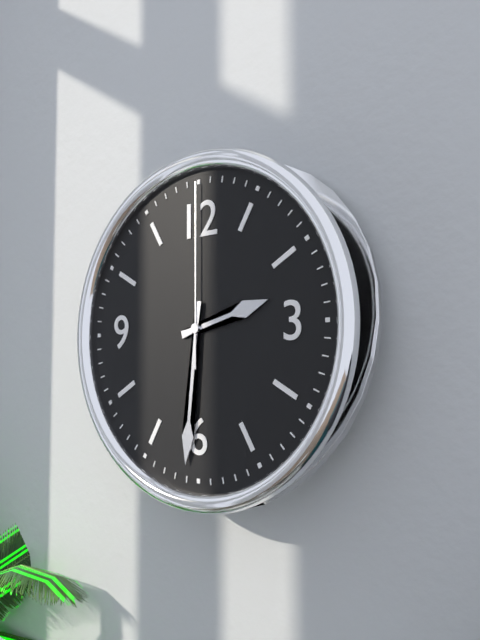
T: 2:31:00
